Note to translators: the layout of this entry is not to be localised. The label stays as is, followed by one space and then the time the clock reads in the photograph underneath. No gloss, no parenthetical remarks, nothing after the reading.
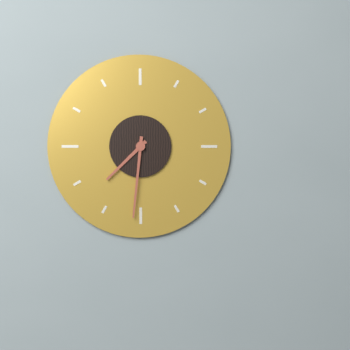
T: 7:31
